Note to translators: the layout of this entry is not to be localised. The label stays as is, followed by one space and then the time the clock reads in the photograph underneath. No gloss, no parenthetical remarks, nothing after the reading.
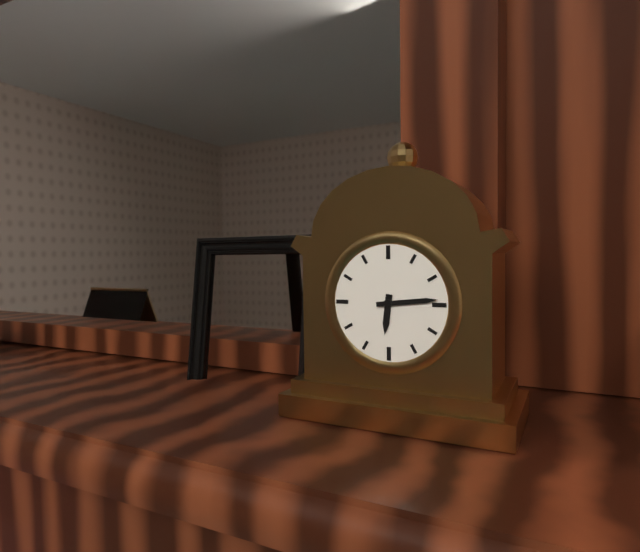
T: 6:14
